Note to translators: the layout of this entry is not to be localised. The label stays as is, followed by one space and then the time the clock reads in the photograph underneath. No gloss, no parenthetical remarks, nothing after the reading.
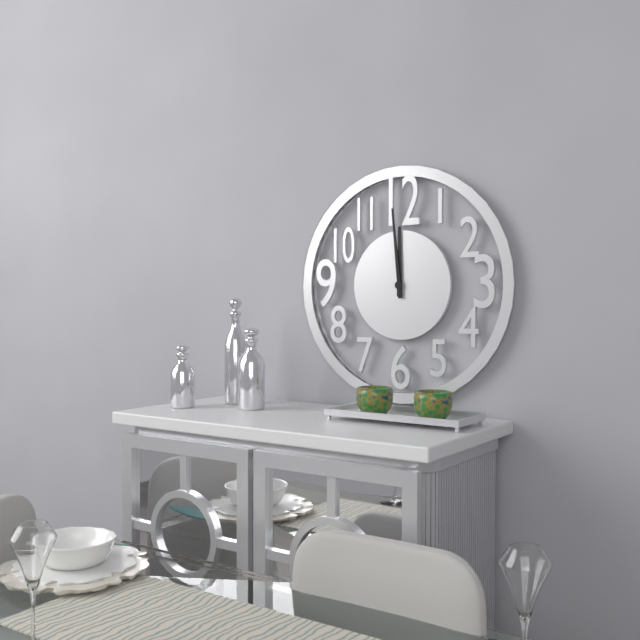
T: 11:59
